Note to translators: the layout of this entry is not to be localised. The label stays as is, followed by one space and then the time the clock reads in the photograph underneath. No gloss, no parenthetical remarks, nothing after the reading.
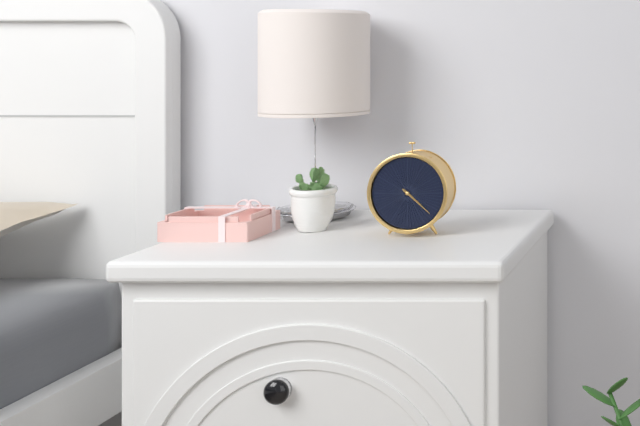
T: 4:22
